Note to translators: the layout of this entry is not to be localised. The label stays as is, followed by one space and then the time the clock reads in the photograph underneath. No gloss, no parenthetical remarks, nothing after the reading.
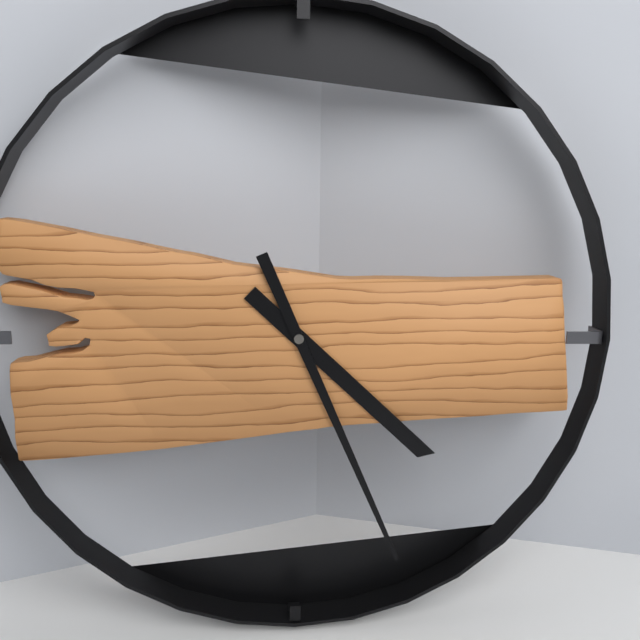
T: 4:26
